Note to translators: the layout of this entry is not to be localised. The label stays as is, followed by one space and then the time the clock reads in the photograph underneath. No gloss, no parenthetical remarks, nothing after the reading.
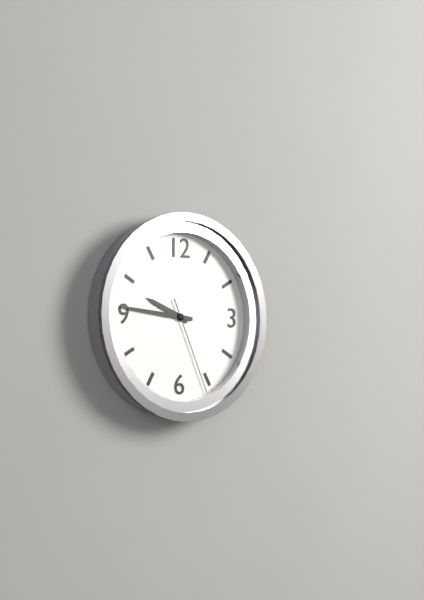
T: 9:46:26
